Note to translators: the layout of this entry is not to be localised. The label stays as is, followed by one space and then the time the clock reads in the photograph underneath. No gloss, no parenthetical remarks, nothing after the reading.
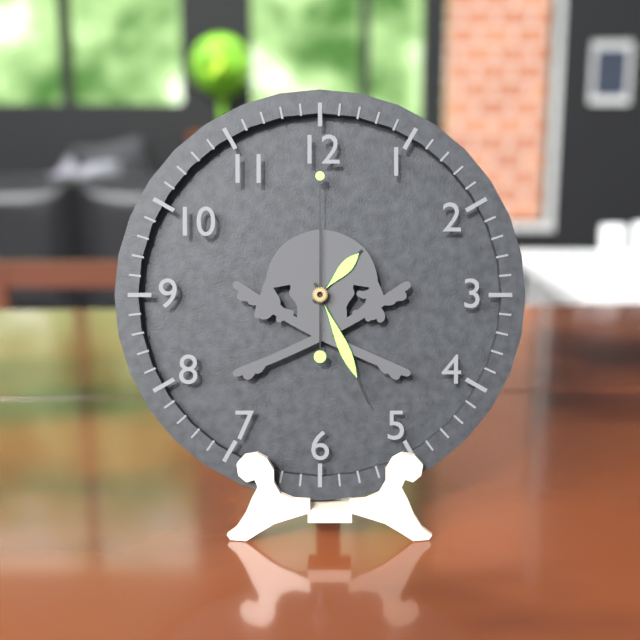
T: 1:26:00
